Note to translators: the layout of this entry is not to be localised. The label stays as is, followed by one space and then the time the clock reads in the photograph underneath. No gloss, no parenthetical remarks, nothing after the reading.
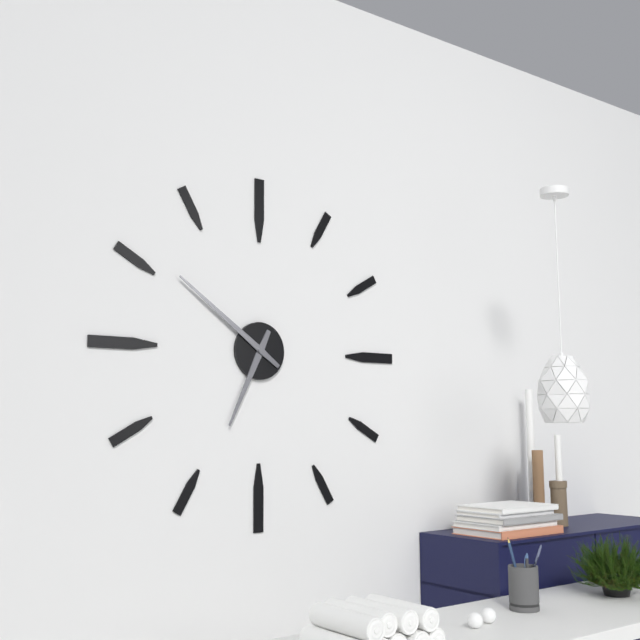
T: 6:51
